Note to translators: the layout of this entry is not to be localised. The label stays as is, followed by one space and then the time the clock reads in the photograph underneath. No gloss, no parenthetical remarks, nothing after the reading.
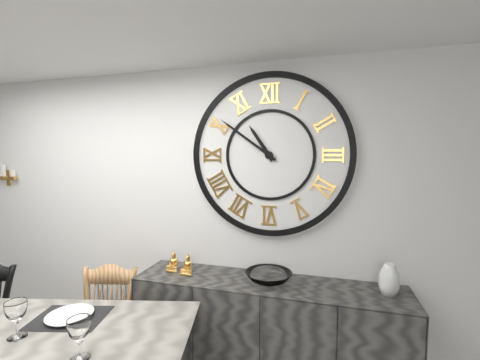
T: 10:51
